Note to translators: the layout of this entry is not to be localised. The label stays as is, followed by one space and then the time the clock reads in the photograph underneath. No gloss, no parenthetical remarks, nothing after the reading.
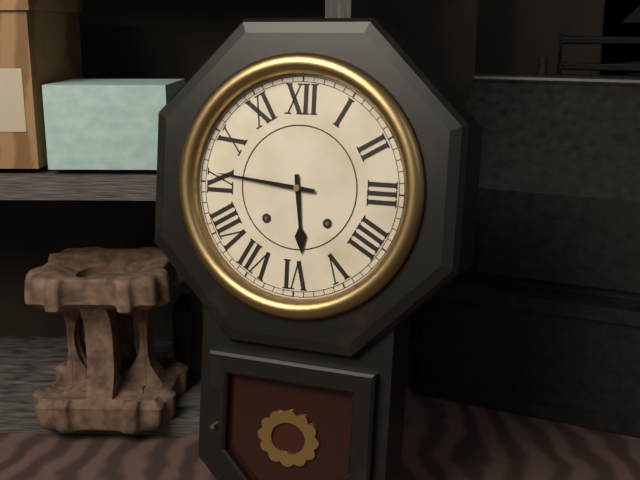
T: 5:46
